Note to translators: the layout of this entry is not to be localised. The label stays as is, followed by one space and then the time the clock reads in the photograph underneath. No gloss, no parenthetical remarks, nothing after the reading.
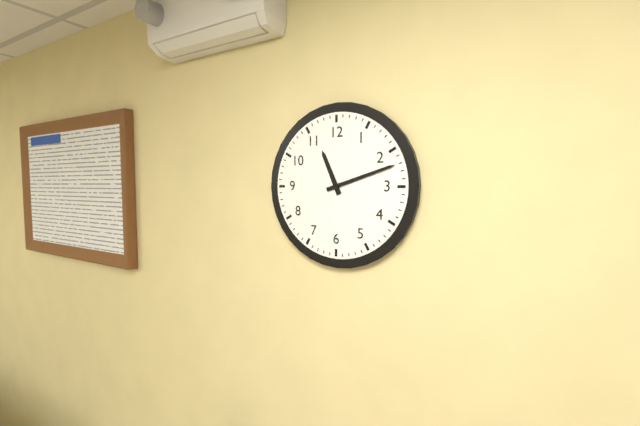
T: 11:12
